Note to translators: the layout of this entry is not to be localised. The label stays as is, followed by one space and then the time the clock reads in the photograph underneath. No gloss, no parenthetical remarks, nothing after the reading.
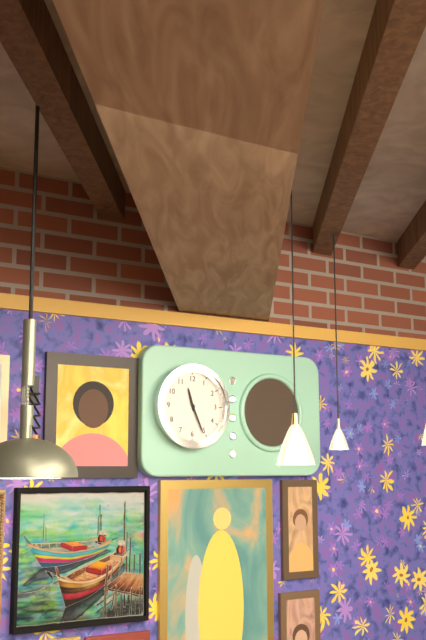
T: 11:26
